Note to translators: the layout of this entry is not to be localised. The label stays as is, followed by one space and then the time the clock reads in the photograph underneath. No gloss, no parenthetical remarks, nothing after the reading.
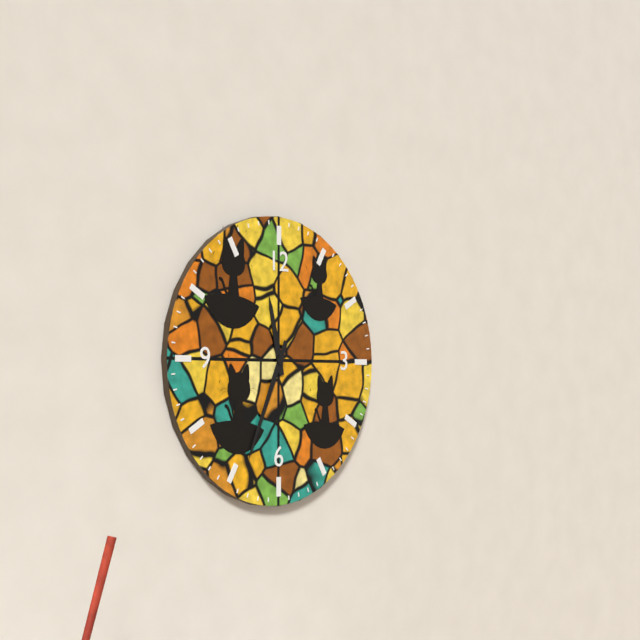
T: 11:34
